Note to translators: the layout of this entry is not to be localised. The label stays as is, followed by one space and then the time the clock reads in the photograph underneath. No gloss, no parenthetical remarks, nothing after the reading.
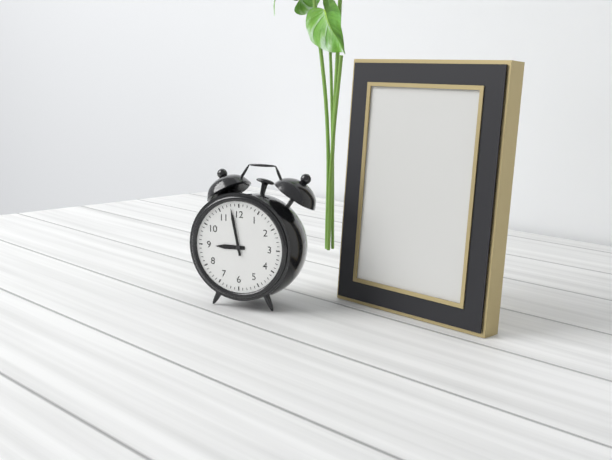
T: 8:58
